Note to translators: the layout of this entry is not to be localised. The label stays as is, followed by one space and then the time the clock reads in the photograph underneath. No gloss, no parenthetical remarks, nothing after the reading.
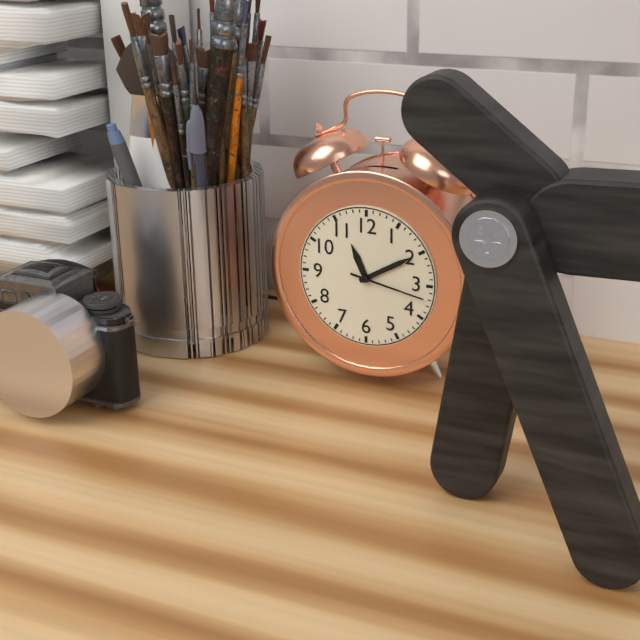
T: 11:10:17
